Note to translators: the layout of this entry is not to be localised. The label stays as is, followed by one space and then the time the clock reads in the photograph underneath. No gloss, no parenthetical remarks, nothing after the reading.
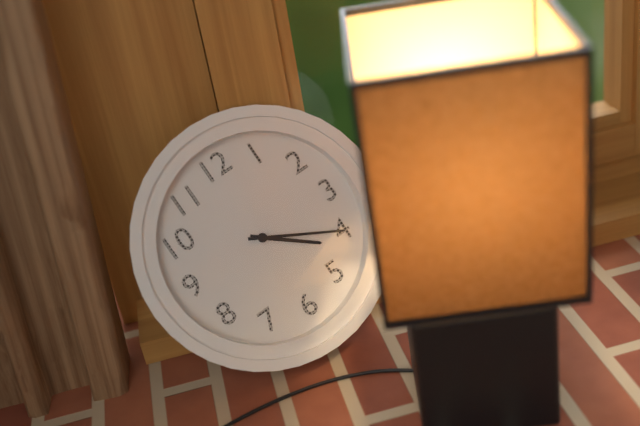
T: 4:20
